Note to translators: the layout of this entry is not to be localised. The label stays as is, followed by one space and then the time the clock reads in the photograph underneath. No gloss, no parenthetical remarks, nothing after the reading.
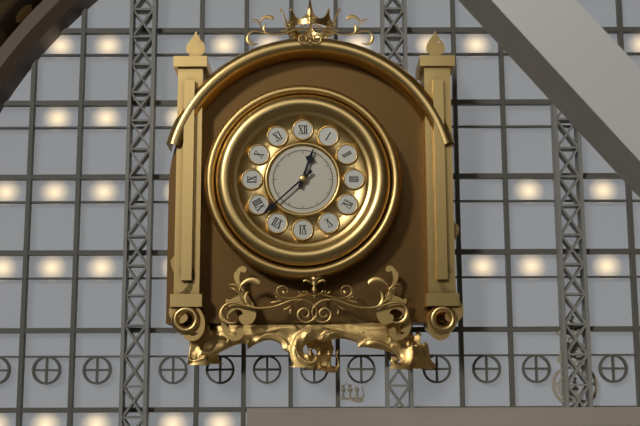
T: 12:38
